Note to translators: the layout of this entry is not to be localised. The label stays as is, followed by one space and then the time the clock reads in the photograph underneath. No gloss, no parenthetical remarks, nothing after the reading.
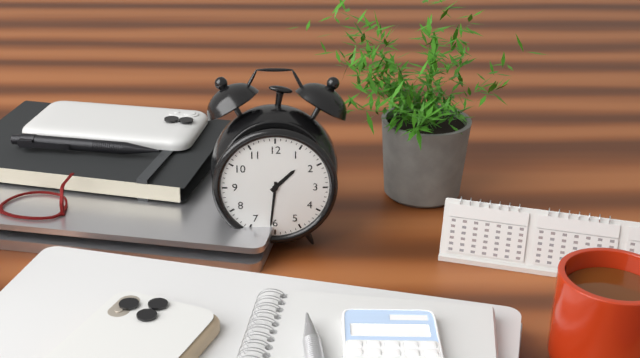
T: 1:31
